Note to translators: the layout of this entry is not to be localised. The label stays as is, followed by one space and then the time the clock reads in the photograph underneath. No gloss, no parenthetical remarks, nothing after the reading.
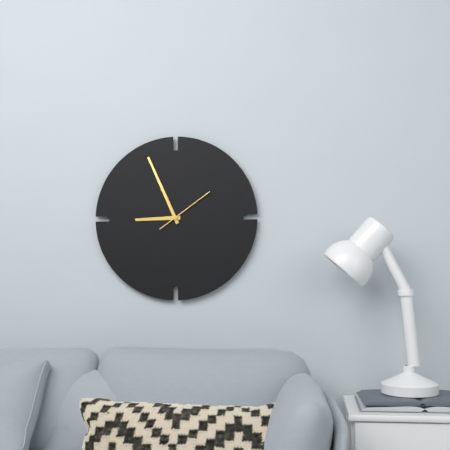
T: 8:56:09
